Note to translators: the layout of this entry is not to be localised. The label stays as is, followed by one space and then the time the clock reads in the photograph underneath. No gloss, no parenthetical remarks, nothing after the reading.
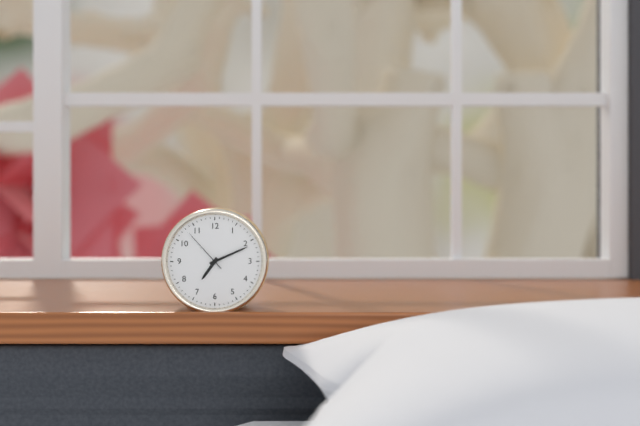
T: 7:11:53
